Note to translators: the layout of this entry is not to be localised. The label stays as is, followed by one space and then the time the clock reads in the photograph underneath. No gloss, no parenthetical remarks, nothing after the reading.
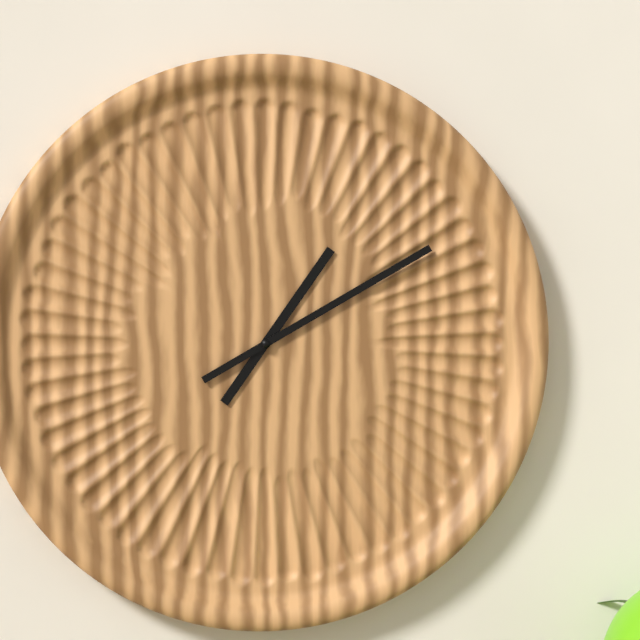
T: 1:10
